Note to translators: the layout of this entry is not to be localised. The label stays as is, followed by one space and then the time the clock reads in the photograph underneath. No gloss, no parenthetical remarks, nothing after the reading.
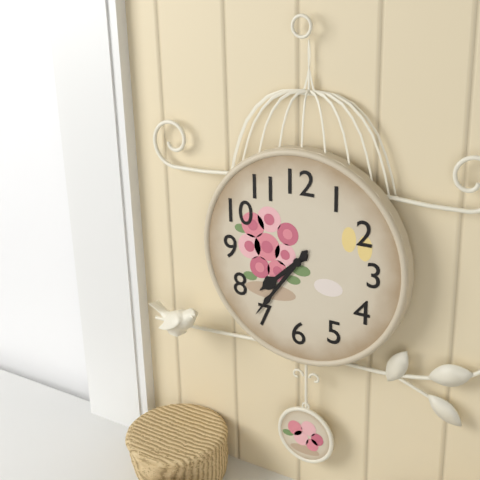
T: 7:36
